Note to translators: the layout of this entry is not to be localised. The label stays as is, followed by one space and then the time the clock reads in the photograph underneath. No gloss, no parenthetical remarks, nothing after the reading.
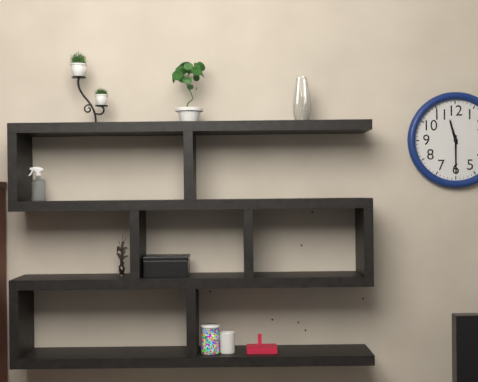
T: 11:30
